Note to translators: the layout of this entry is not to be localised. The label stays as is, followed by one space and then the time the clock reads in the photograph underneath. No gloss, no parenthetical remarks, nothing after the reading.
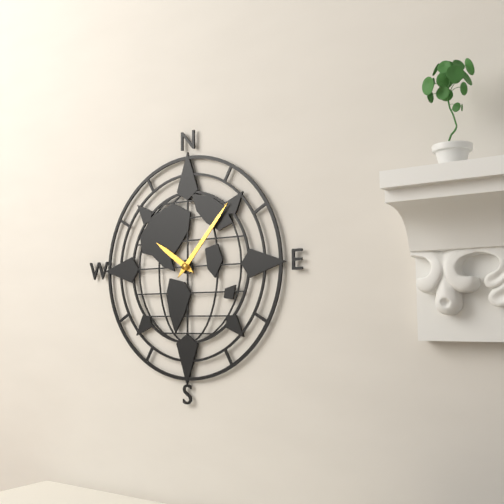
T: 10:07
